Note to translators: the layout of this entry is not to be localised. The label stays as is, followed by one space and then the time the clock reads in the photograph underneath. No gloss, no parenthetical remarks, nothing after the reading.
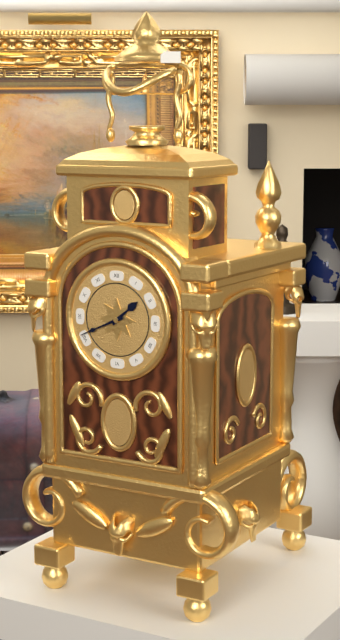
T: 1:41
